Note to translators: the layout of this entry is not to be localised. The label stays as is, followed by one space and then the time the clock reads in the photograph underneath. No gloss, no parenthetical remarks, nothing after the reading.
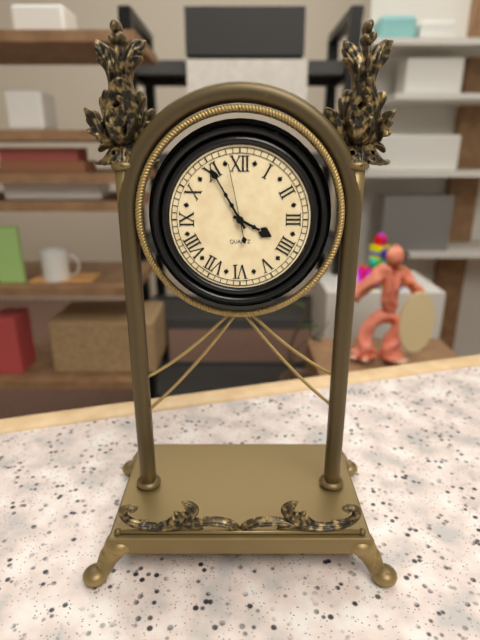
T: 3:55:58
